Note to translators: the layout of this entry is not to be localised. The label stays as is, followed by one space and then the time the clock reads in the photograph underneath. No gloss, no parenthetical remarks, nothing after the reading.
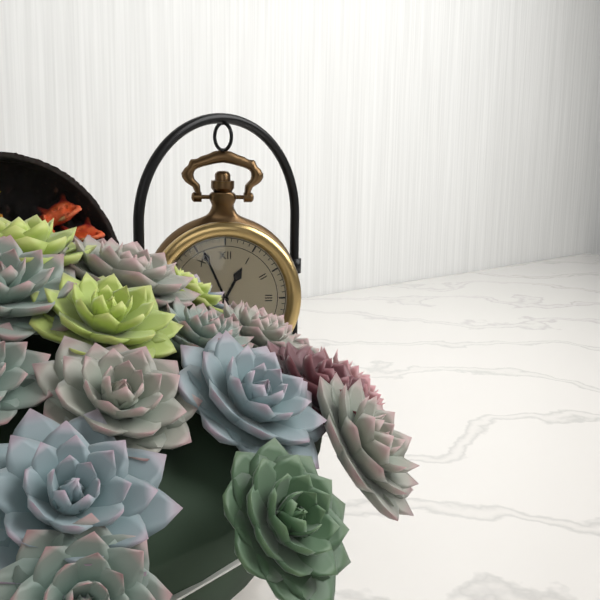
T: 12:56
